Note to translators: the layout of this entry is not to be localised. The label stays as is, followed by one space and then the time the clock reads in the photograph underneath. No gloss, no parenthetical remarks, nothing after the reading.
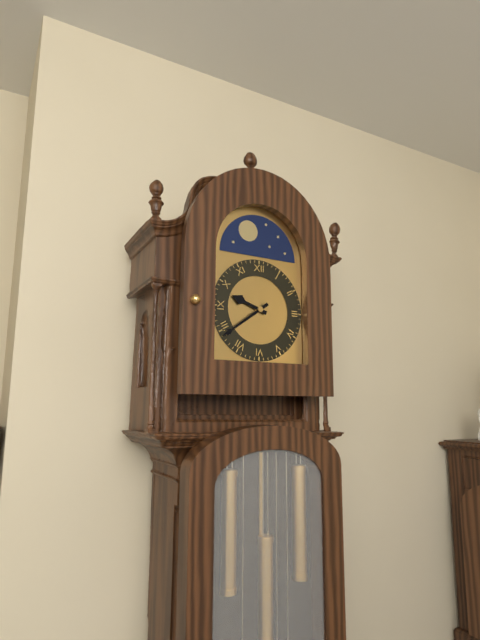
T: 9:39
